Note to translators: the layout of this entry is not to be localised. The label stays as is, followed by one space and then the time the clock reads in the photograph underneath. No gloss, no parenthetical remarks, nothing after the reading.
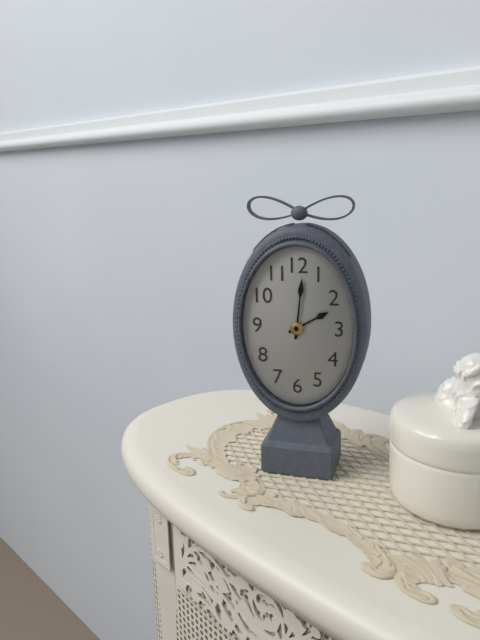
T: 2:01
